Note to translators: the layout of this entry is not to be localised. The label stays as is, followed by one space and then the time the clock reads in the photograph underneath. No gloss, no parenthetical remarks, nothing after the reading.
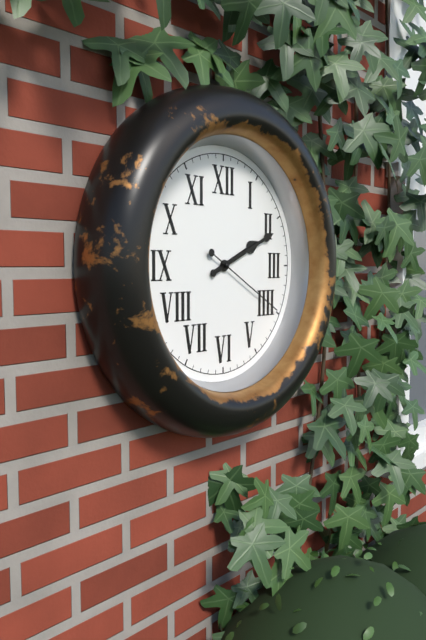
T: 2:11:20
